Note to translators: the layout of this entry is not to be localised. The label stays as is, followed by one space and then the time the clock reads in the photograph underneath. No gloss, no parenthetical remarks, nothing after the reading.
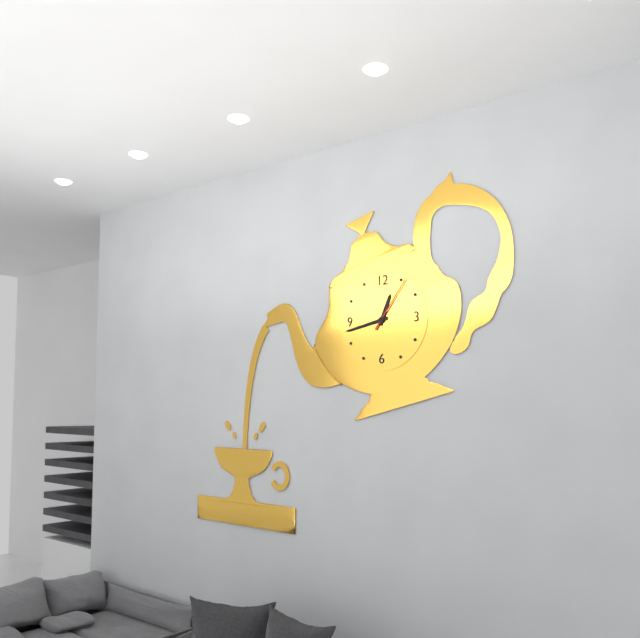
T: 12:43:06
